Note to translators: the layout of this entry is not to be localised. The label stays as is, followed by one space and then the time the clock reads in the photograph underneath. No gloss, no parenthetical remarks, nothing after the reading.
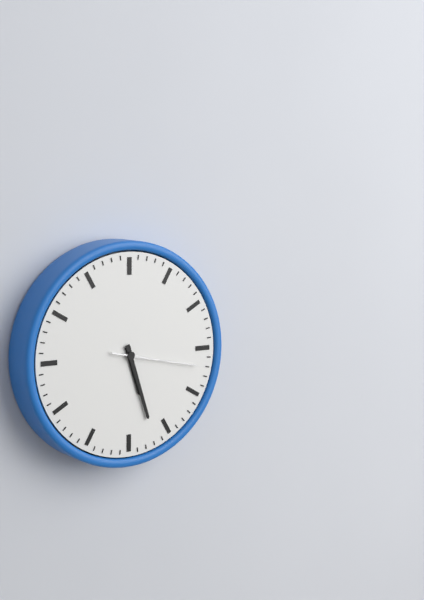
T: 5:27:17
